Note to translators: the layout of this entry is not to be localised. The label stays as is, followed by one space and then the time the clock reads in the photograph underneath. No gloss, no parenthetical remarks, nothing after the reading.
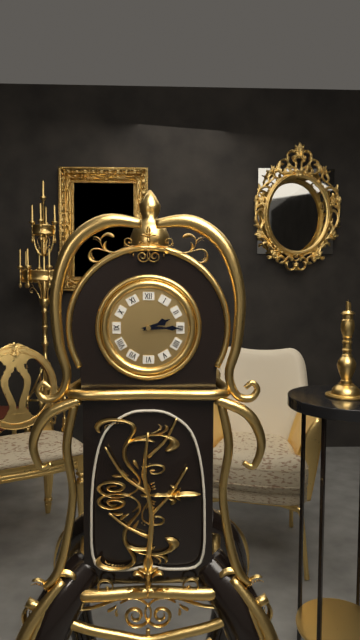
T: 2:15
